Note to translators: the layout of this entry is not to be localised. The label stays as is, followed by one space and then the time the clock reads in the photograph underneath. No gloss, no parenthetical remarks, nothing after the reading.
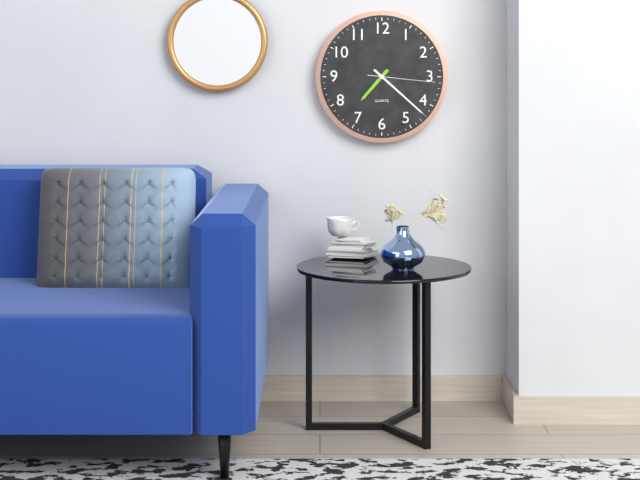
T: 7:22:16
